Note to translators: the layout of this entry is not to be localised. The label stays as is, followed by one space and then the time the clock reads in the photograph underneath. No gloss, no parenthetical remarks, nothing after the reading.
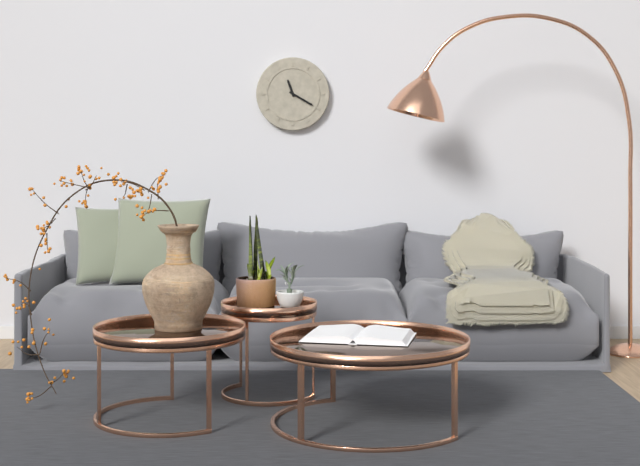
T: 11:20
